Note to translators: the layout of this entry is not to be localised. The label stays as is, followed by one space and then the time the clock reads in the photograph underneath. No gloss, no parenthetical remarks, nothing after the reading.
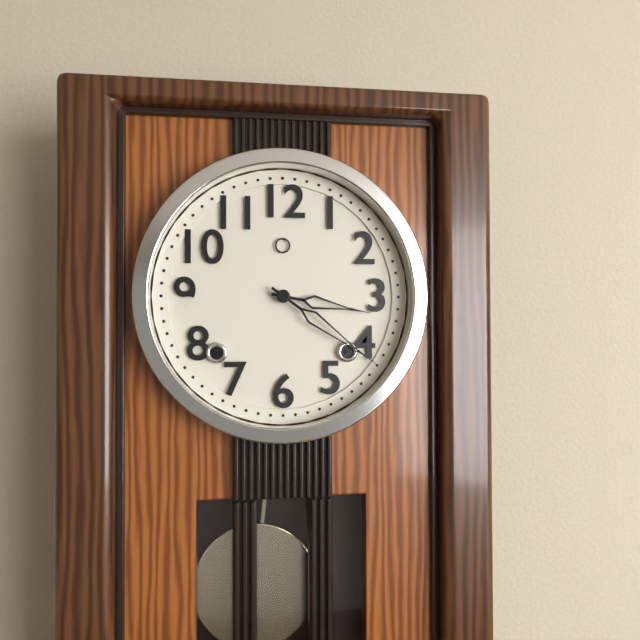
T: 3:21
